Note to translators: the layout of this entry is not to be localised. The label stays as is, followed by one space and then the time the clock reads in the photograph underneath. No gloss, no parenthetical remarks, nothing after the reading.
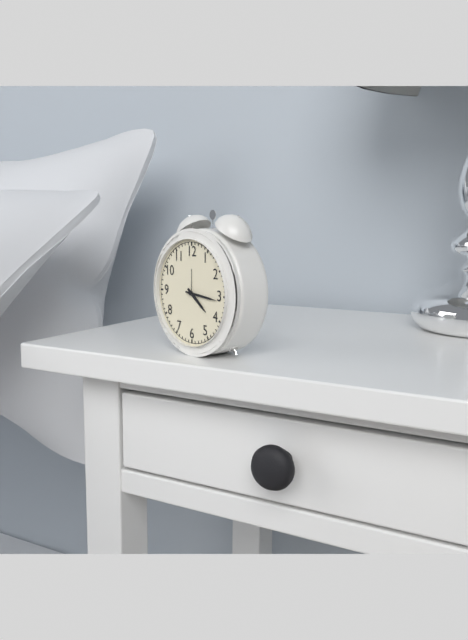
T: 4:16
